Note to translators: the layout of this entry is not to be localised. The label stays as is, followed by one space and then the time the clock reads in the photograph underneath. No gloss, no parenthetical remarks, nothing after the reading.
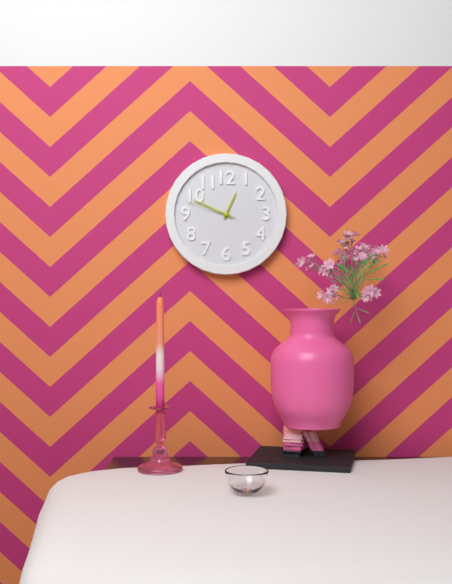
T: 12:49:48
